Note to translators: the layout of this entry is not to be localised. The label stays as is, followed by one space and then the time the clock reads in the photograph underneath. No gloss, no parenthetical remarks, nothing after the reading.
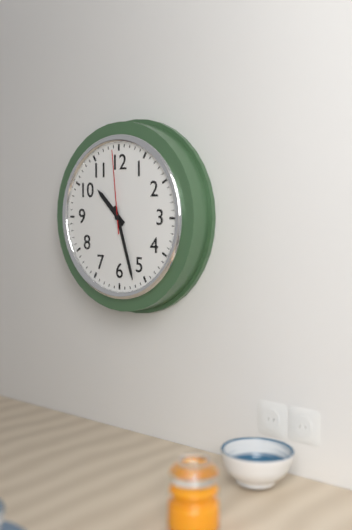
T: 10:27:59
